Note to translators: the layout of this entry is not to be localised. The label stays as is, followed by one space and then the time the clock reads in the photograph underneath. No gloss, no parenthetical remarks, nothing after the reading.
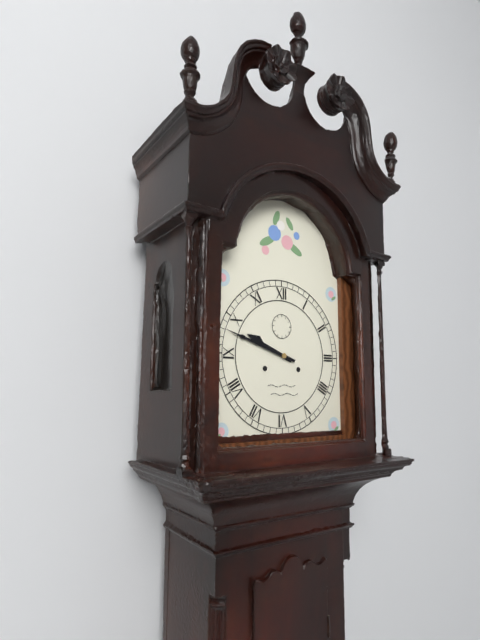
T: 9:48
